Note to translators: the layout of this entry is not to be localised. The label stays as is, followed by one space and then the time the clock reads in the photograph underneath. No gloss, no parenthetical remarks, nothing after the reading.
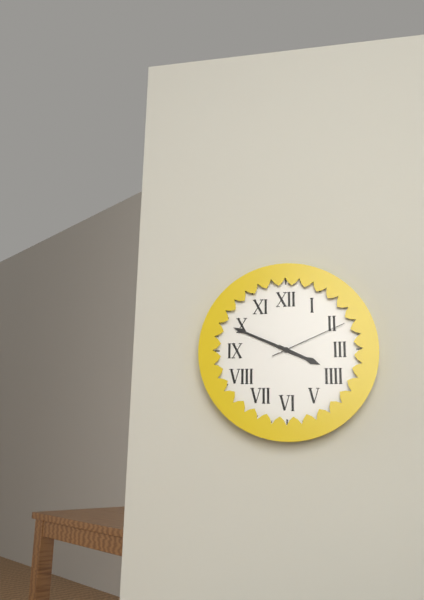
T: 3:49:11
